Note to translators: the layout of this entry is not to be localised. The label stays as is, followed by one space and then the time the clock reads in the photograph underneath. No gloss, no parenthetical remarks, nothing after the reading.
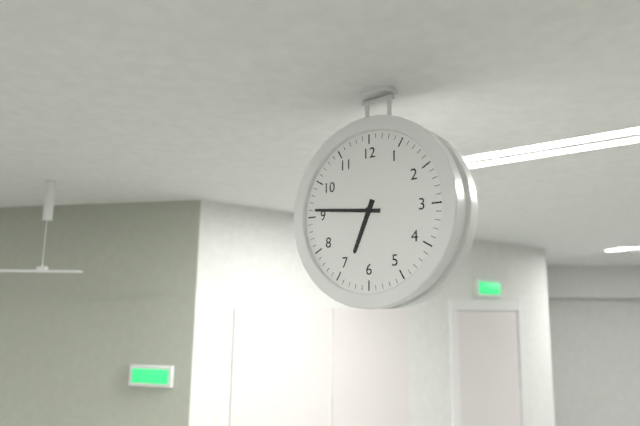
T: 6:46
